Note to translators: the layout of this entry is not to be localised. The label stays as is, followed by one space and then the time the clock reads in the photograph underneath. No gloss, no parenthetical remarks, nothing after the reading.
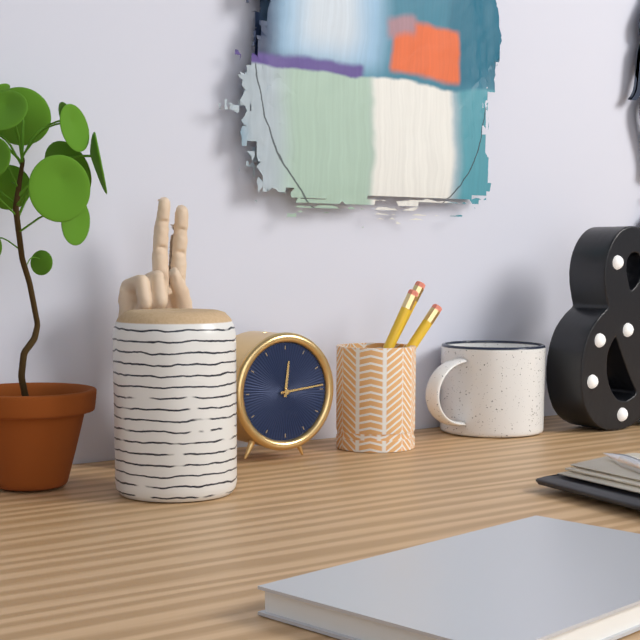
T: 12:14
